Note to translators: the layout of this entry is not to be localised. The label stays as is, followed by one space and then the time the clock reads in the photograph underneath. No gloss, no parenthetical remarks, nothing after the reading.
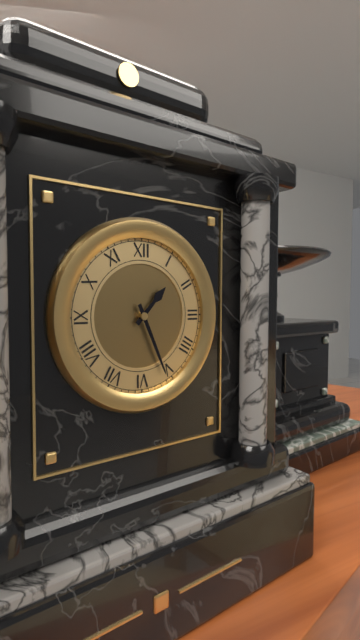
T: 1:26
